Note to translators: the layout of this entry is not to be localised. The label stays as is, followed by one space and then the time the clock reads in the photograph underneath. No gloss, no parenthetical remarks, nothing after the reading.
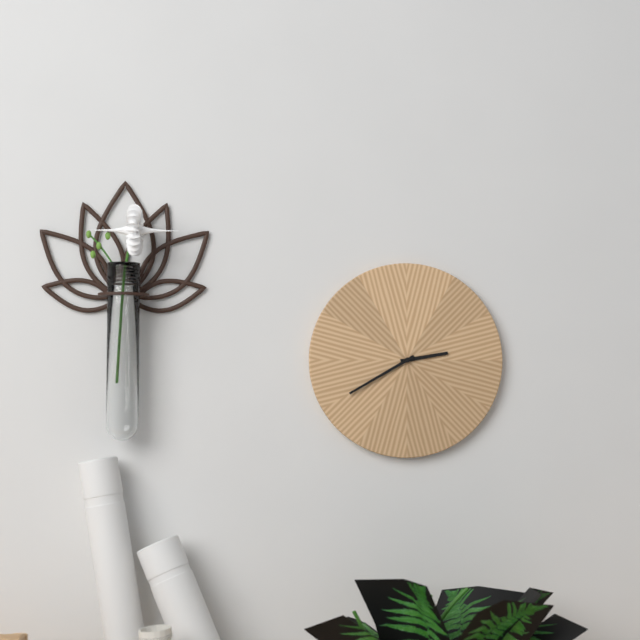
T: 2:40
